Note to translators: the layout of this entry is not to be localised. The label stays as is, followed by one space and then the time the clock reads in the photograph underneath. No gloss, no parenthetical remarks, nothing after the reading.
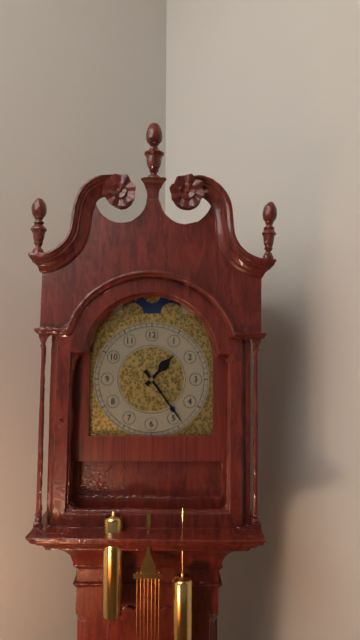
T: 1:24
